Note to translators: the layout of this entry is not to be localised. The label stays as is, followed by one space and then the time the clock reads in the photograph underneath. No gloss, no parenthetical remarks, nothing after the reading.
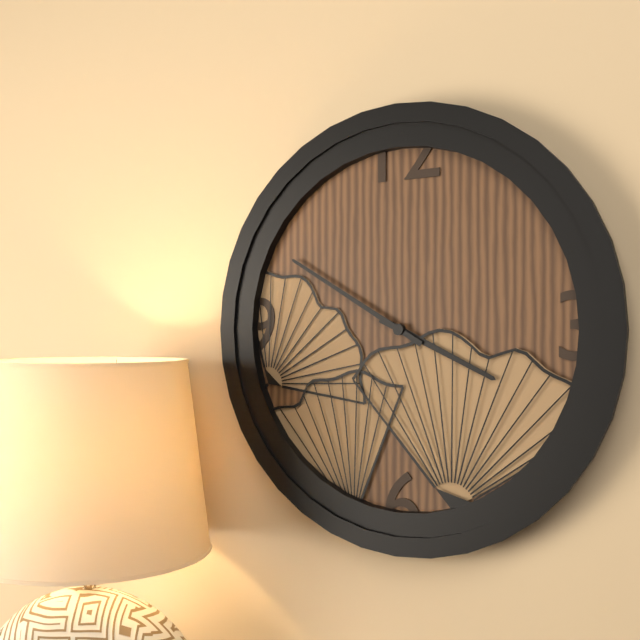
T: 3:50
